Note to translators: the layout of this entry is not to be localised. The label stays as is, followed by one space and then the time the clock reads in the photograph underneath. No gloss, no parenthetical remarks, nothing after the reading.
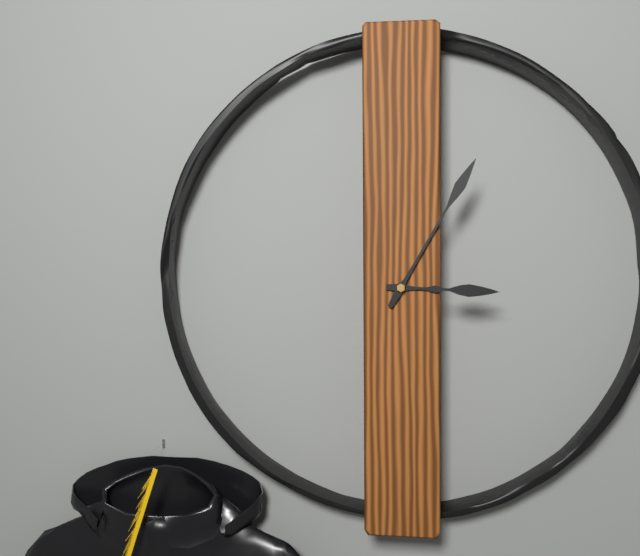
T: 3:05
